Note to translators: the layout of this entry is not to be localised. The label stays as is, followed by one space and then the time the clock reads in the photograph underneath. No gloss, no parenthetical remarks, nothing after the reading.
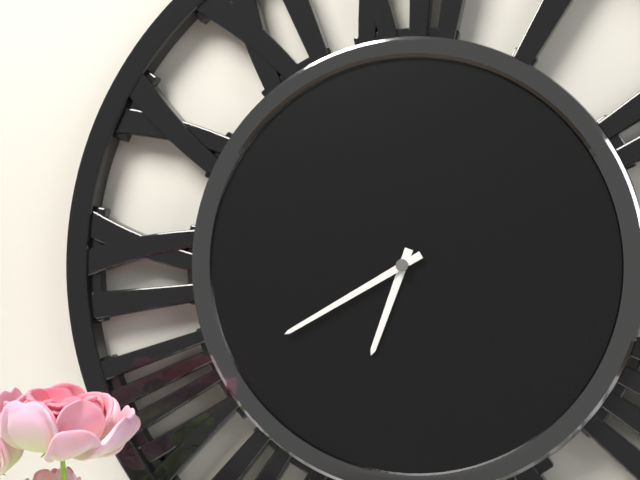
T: 6:40
